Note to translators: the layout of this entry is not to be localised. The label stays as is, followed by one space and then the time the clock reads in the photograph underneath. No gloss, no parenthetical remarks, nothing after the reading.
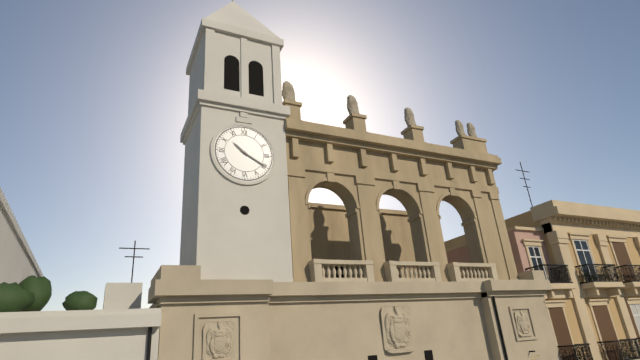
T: 10:20
